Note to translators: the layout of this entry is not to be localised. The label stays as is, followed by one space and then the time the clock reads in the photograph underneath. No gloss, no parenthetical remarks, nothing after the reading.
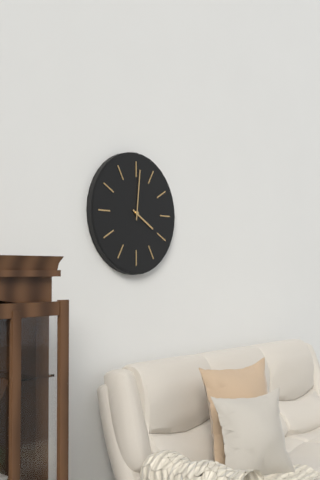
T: 4:01
